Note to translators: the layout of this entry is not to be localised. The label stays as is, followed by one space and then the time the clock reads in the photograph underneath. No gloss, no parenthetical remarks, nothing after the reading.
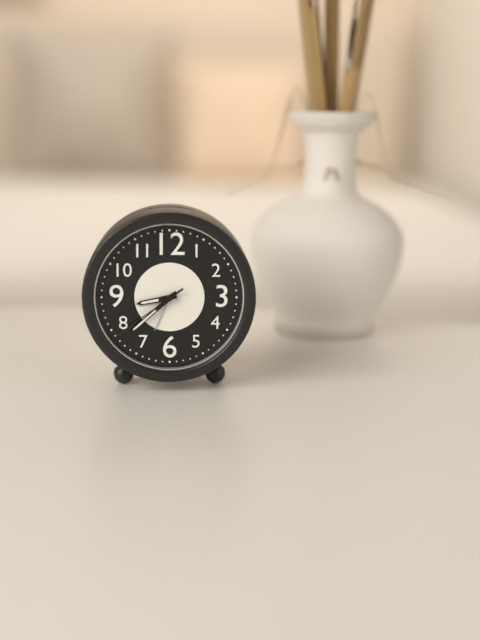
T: 8:38:39
